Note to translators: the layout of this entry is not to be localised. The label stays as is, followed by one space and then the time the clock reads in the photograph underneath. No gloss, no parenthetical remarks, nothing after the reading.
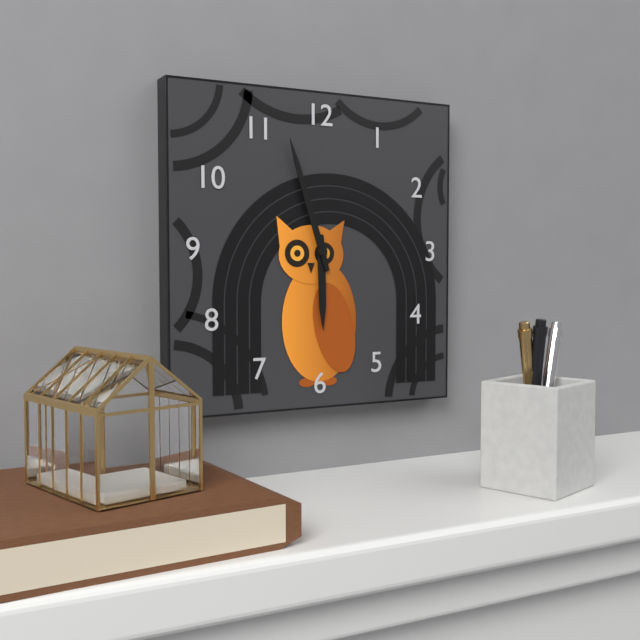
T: 5:57
